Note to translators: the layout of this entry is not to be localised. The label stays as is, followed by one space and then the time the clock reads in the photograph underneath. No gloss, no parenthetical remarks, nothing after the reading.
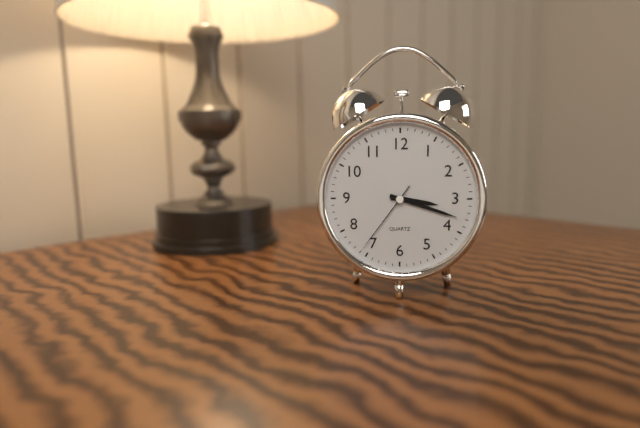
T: 3:18:36
